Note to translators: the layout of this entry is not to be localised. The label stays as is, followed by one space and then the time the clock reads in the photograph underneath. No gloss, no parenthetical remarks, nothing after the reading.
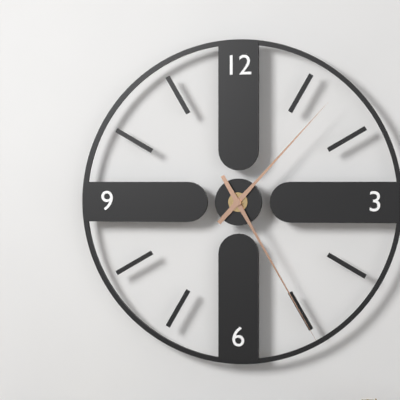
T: 1:25
